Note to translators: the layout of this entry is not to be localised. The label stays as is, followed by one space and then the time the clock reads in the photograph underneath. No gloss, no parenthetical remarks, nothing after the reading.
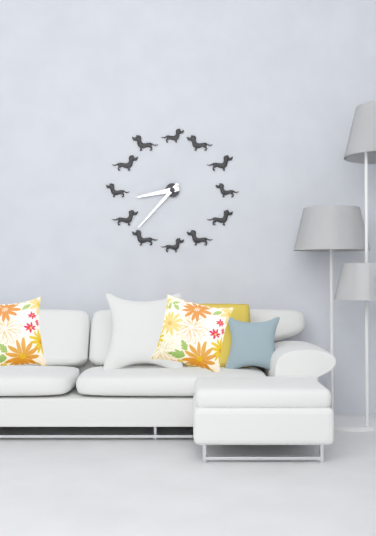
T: 8:37
